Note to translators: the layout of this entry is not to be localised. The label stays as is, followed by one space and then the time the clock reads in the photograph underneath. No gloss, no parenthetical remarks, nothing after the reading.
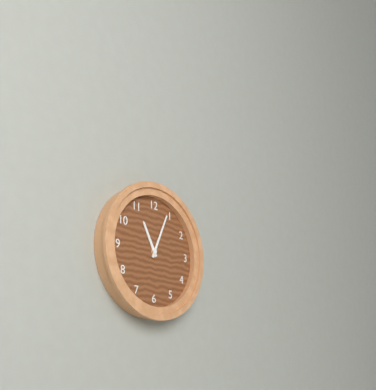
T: 11:04
